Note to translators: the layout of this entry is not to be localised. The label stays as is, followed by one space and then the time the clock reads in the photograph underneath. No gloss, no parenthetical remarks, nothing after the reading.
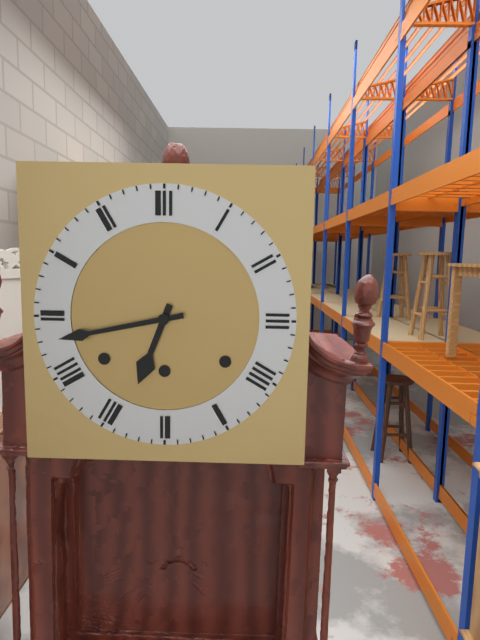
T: 6:43
